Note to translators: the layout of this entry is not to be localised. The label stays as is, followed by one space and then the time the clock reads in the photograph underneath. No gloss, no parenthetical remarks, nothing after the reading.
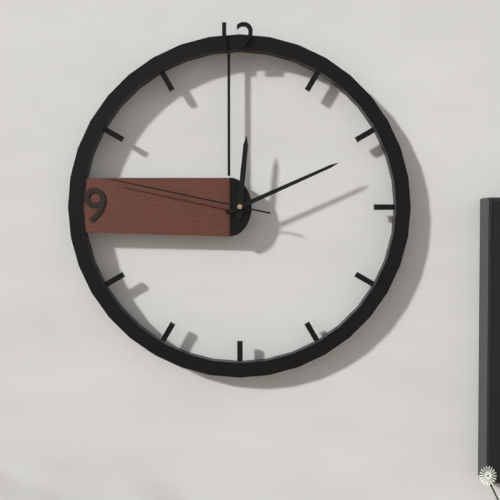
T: 12:11:47
